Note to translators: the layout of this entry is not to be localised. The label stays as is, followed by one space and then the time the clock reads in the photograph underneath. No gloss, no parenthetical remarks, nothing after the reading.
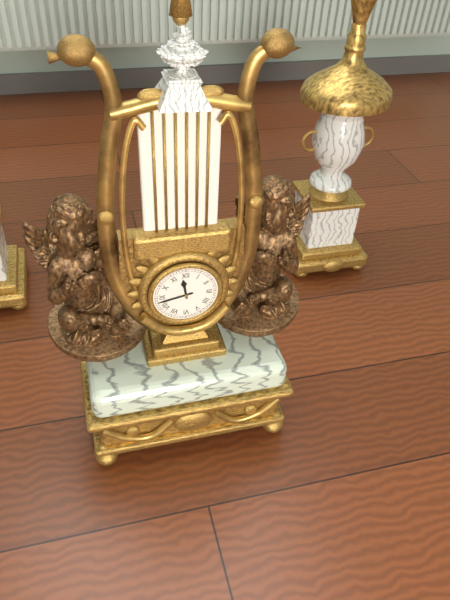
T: 11:43
